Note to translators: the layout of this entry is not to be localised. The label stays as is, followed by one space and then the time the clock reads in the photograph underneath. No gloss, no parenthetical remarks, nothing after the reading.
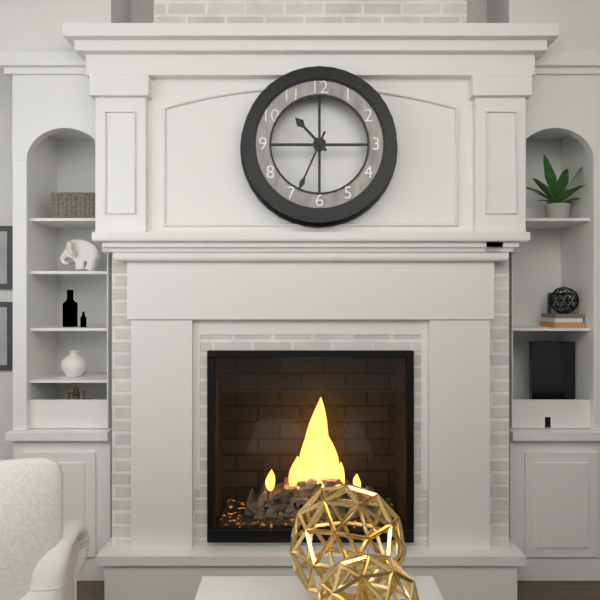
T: 10:34
